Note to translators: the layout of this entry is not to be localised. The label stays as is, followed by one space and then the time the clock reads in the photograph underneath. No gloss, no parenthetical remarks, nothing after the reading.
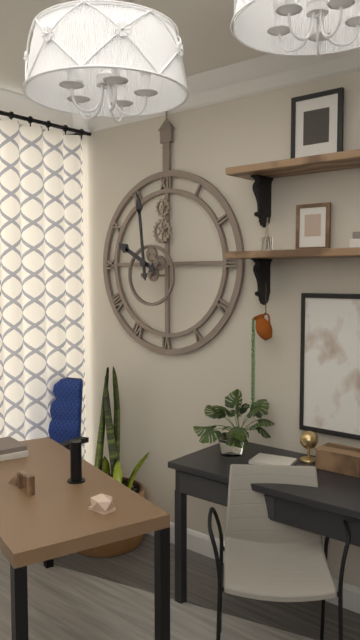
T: 9:59
